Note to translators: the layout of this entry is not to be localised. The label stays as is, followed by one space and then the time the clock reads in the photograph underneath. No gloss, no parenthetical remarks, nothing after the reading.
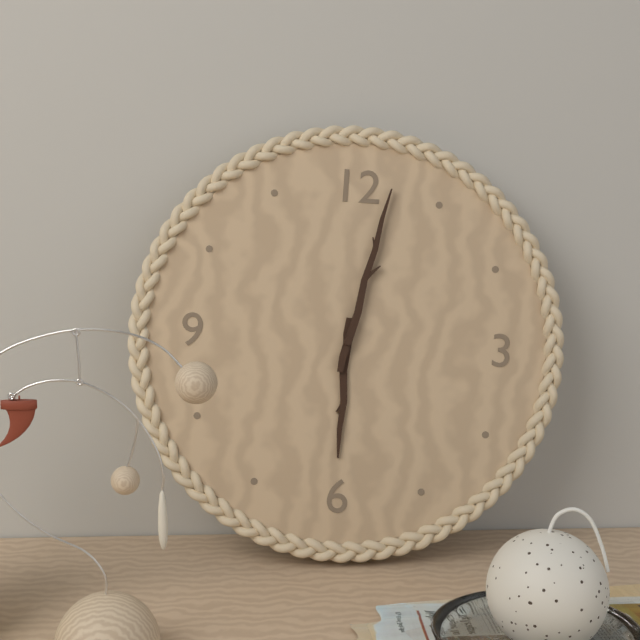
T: 6:02
